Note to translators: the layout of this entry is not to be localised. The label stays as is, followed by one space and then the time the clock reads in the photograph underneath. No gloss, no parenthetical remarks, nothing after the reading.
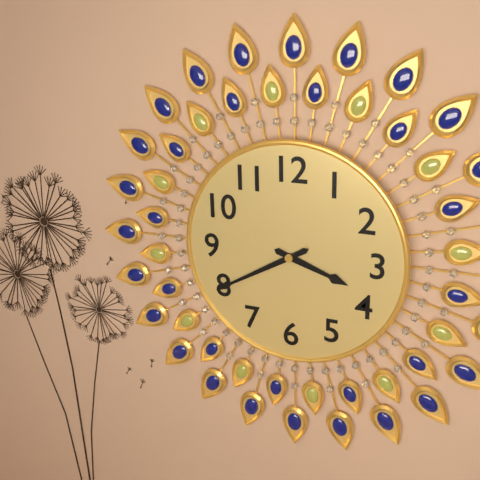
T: 3:40
